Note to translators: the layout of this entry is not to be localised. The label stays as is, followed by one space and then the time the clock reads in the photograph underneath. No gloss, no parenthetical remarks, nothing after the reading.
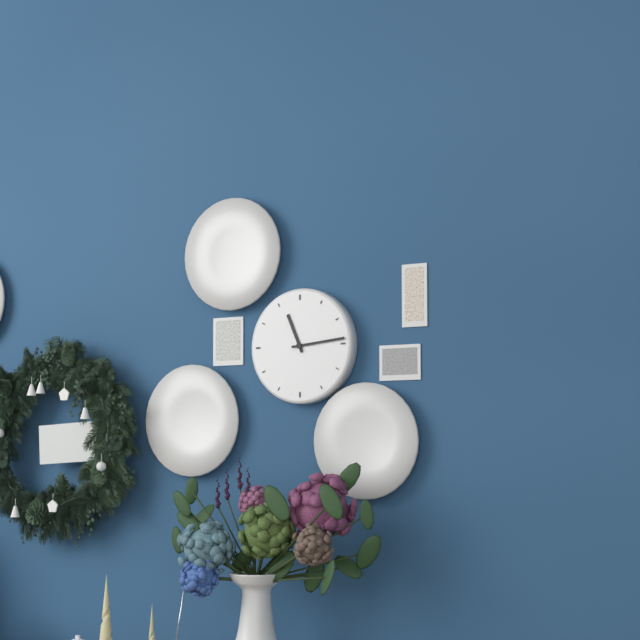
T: 11:14
